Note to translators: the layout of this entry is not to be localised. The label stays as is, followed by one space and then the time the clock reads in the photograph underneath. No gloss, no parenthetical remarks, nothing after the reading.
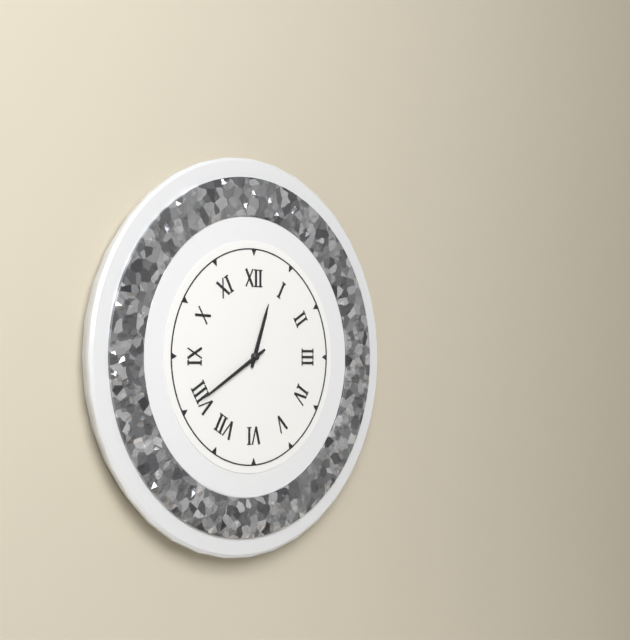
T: 12:40
